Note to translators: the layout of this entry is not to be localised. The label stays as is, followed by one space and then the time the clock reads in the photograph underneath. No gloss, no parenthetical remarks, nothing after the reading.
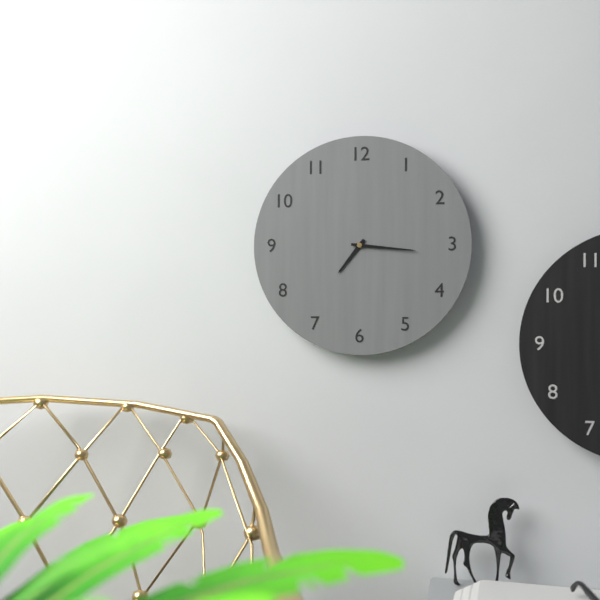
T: 7:16
